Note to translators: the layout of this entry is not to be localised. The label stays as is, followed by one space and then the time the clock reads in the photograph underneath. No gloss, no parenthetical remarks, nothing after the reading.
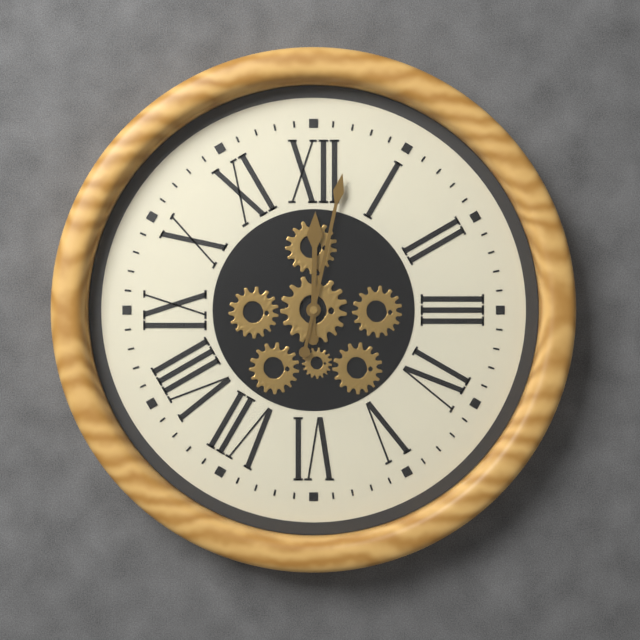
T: 12:02
